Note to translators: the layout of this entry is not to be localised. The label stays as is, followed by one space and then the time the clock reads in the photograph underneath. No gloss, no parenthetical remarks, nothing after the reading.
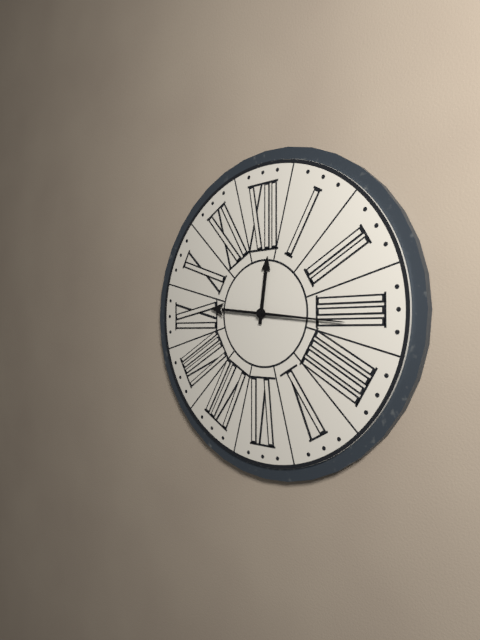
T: 12:16
